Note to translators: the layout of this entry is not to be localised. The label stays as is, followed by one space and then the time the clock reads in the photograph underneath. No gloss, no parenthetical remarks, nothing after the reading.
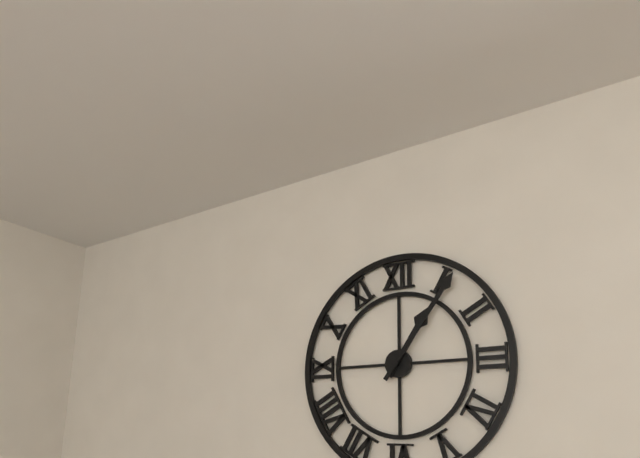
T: 1:06
